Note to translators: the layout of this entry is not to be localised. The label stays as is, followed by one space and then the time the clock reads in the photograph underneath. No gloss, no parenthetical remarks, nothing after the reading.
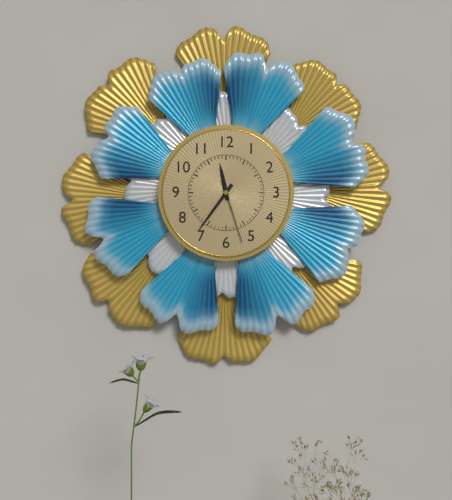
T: 11:36:27
